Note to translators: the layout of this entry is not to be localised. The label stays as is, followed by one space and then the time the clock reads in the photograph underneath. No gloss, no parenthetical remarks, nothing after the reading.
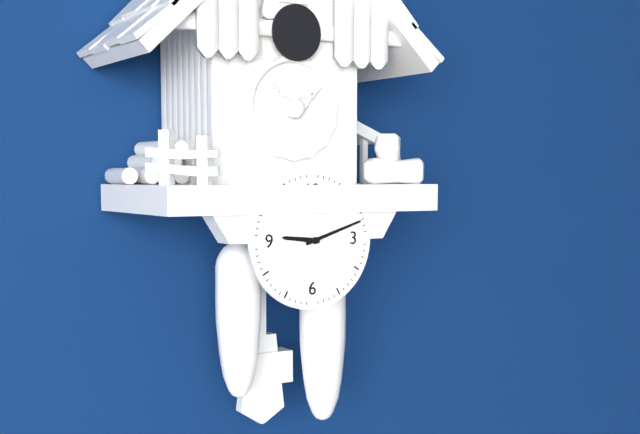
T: 9:12
